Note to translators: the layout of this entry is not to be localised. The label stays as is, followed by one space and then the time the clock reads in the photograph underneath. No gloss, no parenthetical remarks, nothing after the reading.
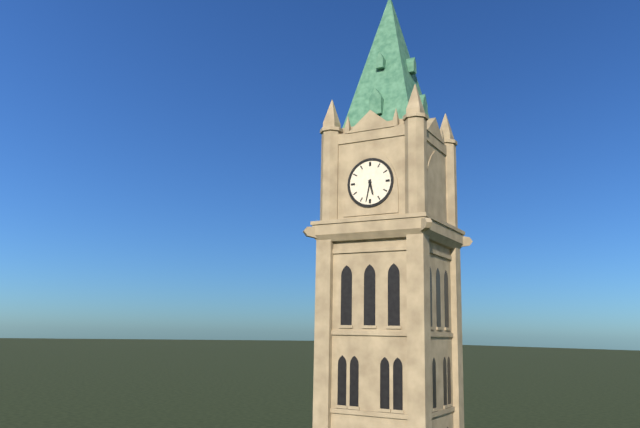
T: 5:32
